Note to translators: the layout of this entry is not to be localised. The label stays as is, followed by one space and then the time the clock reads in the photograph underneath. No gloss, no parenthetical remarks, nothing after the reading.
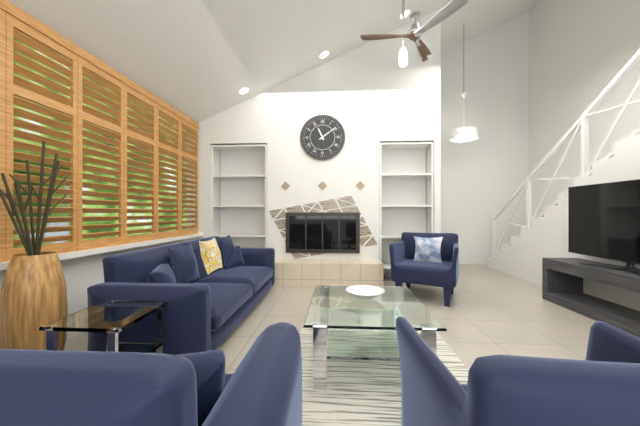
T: 11:09
